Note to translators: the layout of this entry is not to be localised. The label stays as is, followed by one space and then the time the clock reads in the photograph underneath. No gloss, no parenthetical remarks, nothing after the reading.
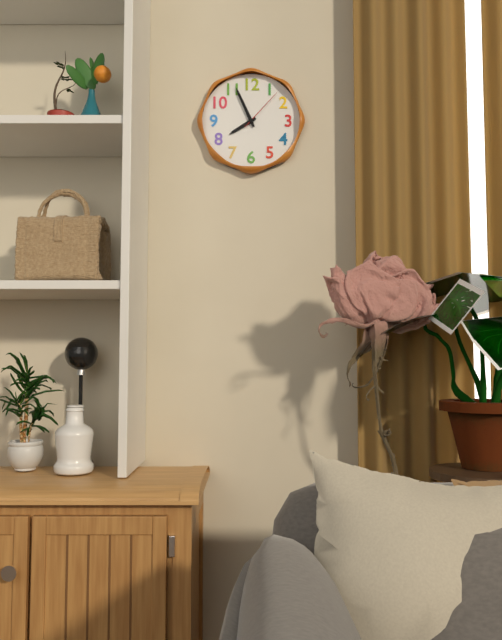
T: 7:56:07
